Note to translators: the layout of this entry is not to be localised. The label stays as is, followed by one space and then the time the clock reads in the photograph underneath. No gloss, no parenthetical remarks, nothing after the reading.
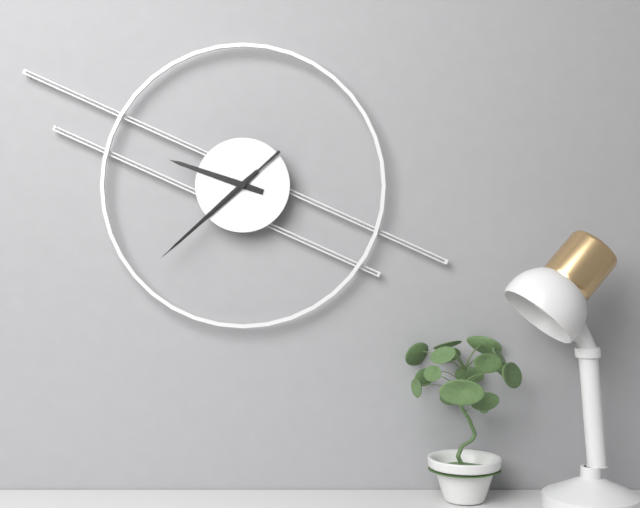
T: 9:38:38
